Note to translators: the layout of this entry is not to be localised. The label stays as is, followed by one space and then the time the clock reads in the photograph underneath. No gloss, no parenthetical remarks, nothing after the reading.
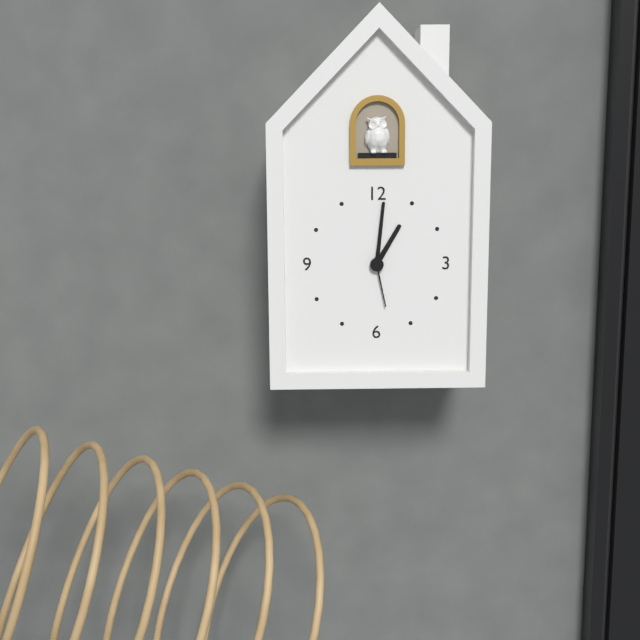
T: 1:01:28
